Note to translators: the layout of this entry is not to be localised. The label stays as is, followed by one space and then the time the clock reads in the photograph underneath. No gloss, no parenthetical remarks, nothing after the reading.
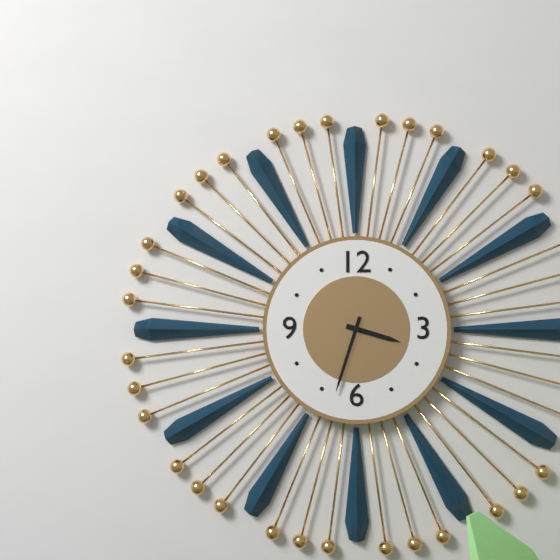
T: 3:33
